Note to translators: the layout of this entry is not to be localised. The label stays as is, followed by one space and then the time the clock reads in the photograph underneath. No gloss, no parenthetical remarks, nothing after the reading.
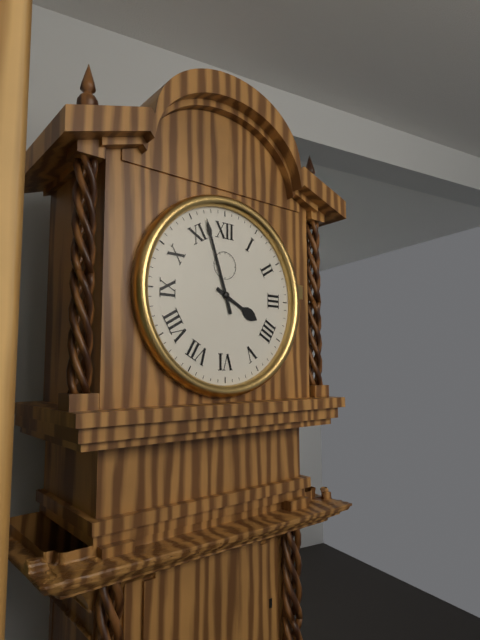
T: 3:57
